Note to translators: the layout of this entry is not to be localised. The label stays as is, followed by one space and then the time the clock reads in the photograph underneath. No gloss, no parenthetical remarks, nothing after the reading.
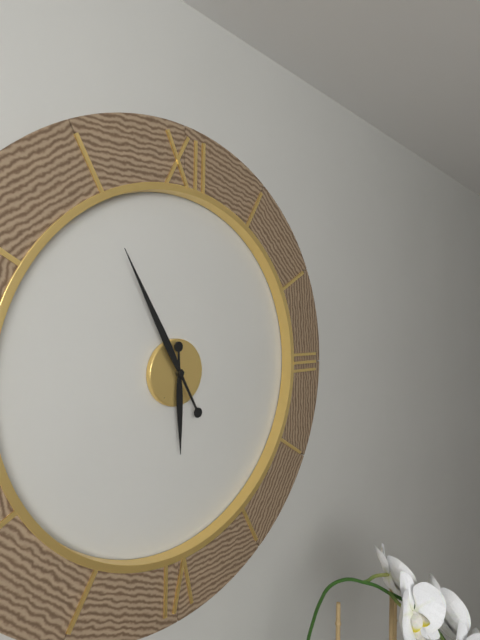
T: 5:55
